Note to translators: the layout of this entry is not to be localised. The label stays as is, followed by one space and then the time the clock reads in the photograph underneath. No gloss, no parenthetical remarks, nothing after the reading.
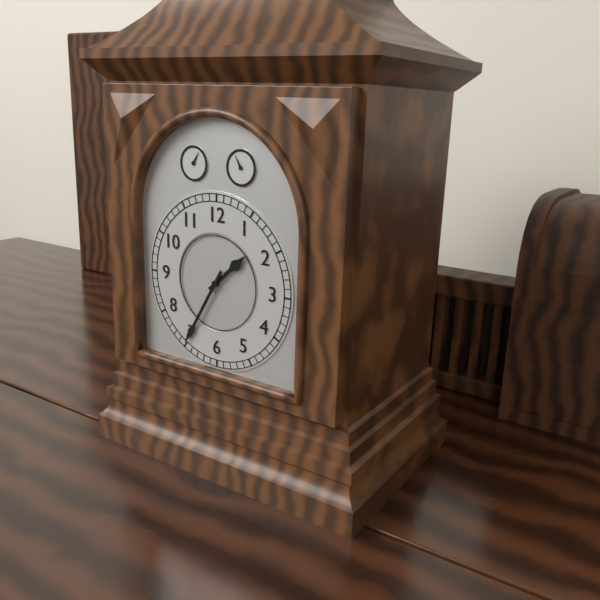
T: 1:35
